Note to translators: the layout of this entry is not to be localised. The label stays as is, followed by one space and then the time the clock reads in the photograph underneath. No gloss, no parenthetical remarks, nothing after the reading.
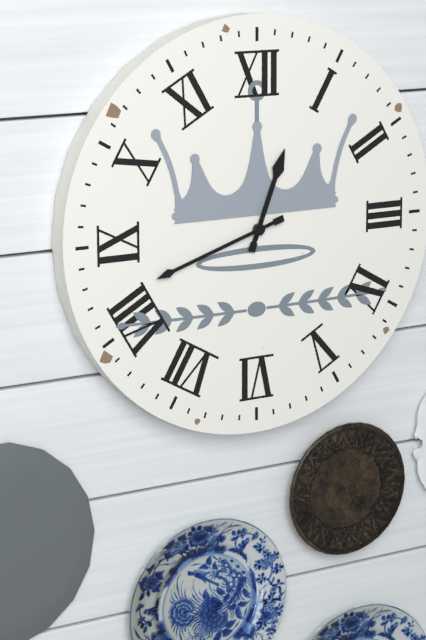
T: 12:42
